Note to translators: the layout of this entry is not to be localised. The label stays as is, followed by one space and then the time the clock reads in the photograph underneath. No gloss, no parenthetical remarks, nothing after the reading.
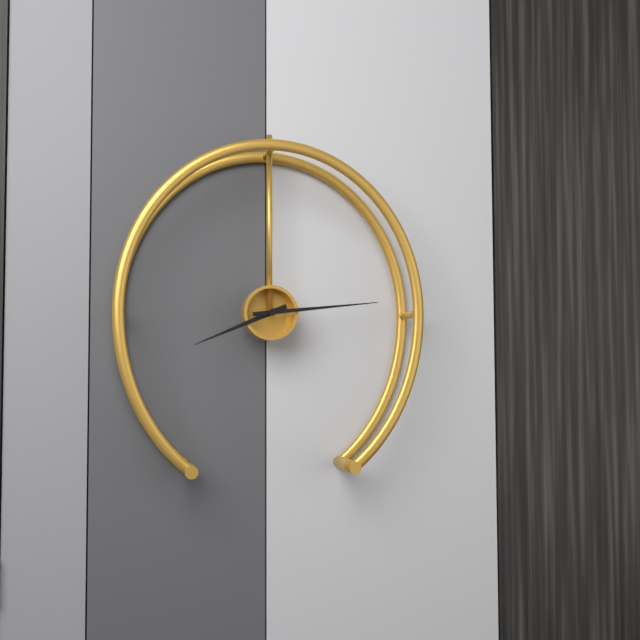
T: 8:14
